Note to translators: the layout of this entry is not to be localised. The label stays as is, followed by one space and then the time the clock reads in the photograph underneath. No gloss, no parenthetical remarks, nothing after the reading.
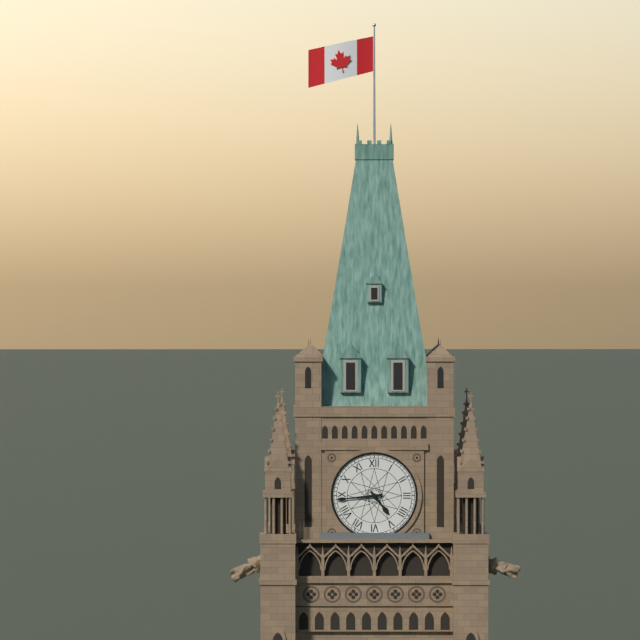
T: 4:44
